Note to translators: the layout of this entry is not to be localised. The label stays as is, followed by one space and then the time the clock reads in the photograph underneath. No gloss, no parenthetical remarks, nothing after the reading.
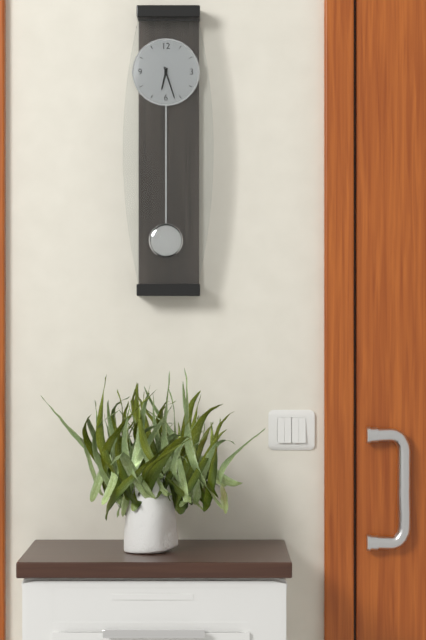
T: 6:27
